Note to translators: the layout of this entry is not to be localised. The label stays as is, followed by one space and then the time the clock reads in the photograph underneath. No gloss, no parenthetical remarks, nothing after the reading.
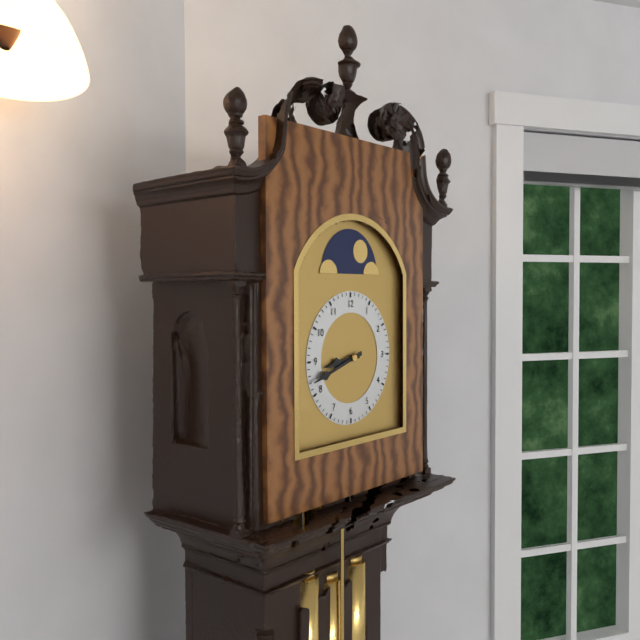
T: 8:42
